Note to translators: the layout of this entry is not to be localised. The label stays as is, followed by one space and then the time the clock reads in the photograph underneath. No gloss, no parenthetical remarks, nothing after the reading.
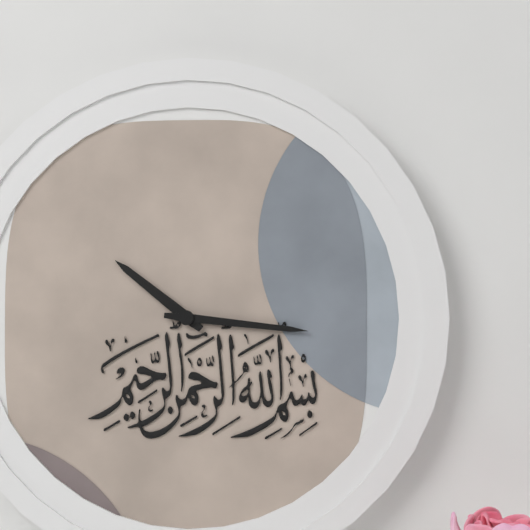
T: 10:16
